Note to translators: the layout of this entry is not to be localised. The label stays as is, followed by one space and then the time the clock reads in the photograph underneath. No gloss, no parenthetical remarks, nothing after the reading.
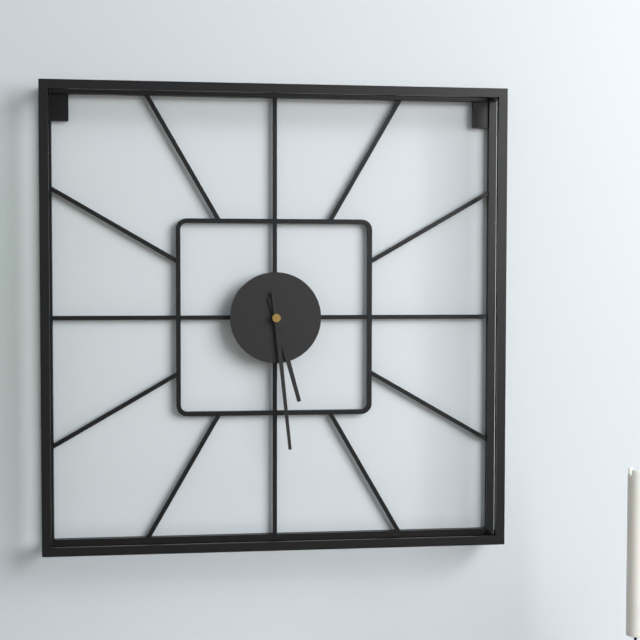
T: 5:29
